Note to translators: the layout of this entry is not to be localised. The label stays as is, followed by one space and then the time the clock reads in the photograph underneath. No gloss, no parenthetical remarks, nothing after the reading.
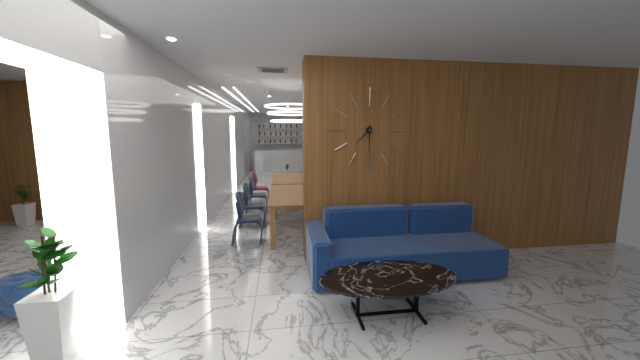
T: 7:30
